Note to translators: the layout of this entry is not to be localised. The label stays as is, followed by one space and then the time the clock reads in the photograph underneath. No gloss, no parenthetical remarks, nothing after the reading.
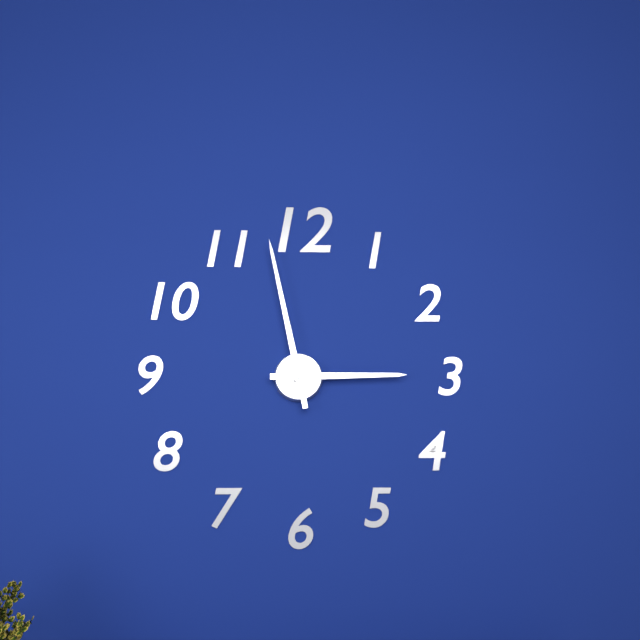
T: 2:58
